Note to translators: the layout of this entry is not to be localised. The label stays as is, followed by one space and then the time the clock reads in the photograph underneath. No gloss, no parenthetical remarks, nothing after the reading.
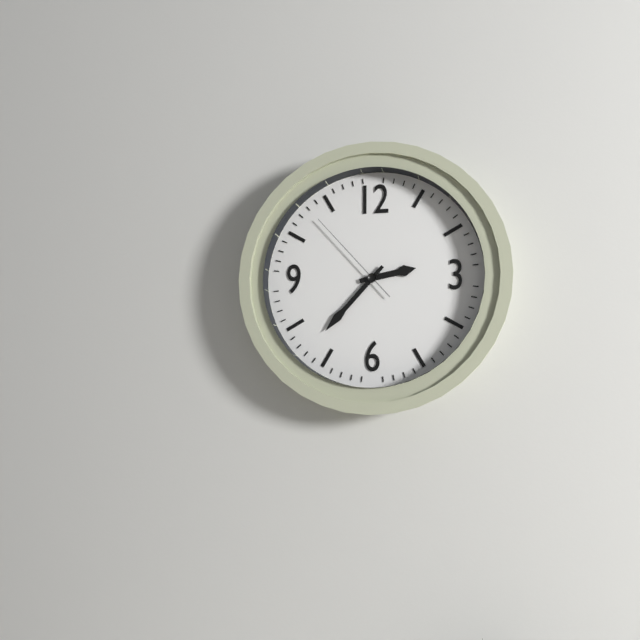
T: 2:37:53
